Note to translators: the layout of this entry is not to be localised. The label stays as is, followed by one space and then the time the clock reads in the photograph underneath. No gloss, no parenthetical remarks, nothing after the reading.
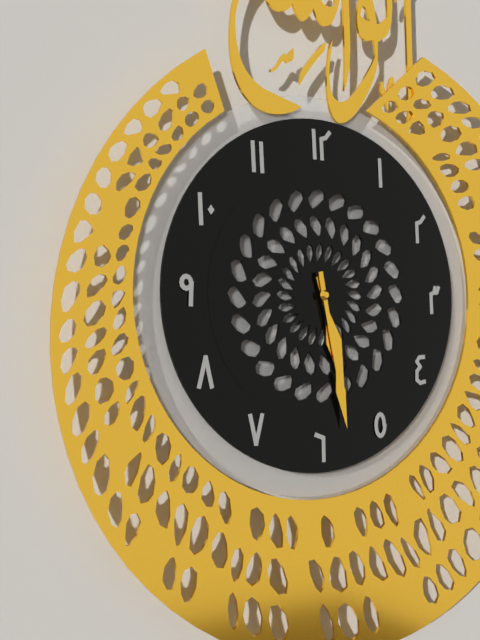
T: 5:28
